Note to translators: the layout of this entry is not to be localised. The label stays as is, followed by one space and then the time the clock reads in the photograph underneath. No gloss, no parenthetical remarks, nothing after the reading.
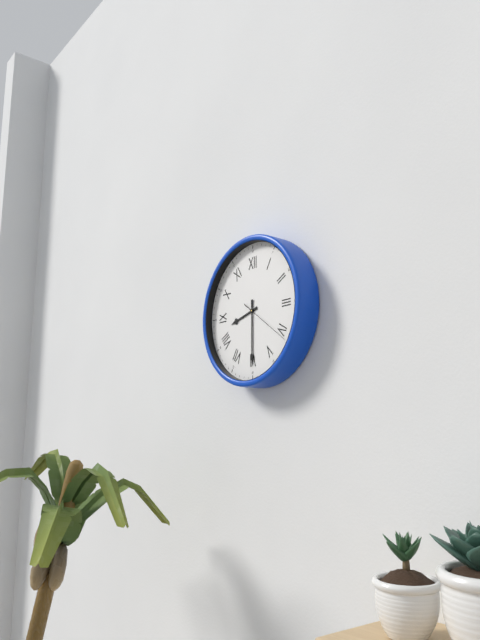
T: 8:30:21
